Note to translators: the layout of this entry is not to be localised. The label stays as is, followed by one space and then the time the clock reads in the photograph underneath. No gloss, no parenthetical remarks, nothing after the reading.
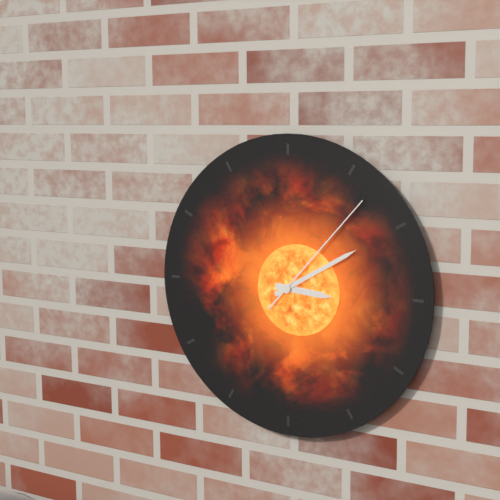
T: 3:10:07
